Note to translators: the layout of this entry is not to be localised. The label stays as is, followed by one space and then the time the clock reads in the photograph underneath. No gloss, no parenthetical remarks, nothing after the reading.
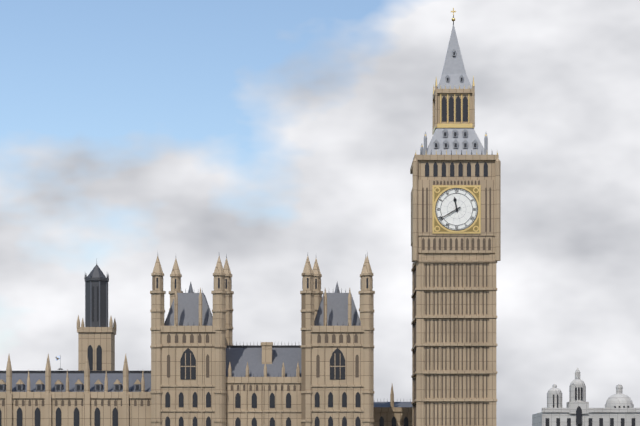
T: 11:40
